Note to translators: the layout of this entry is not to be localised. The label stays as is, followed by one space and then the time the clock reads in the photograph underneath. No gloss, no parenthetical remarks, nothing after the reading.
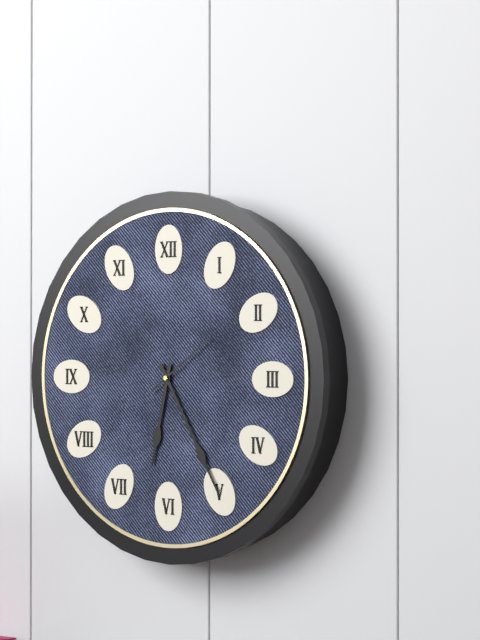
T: 6:25:09
